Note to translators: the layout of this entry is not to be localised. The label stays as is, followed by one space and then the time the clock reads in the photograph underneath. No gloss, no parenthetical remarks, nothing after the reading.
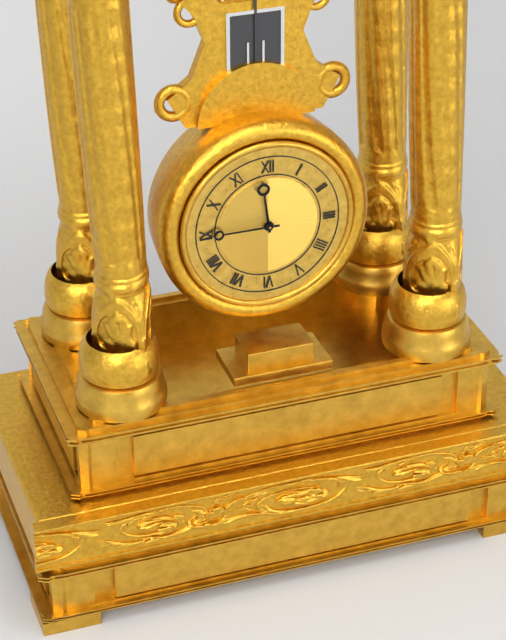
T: 11:45
